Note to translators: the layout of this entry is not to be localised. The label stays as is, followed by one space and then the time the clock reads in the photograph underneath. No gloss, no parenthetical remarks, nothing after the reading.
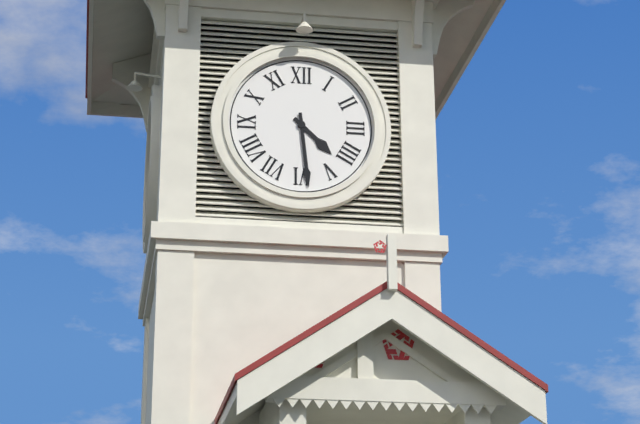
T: 4:29
